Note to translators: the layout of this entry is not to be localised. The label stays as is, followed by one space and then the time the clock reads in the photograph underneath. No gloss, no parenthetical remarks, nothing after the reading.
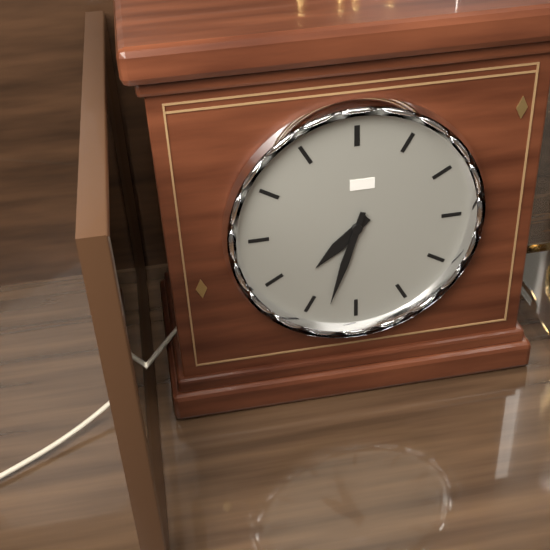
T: 7:33
